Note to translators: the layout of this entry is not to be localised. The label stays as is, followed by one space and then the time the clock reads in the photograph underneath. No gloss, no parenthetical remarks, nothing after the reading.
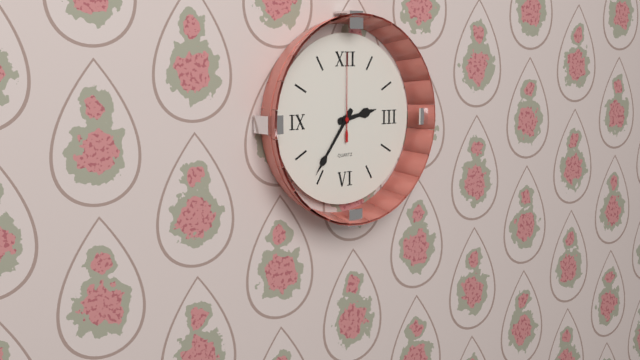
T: 2:36:00
